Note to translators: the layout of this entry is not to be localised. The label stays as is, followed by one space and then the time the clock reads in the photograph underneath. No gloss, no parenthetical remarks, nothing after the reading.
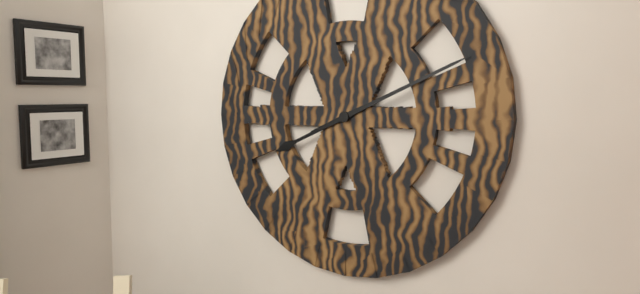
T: 8:11
